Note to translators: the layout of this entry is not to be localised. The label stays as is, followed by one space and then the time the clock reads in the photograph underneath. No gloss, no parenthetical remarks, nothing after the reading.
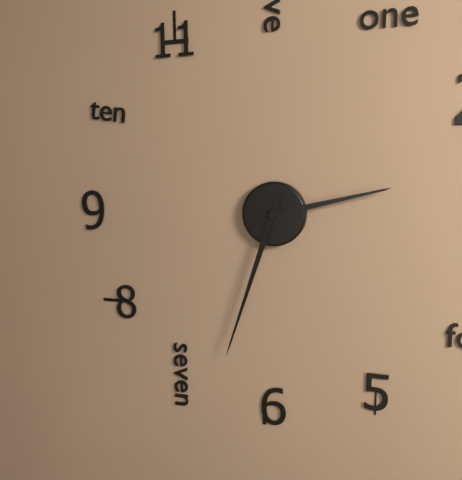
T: 2:33
